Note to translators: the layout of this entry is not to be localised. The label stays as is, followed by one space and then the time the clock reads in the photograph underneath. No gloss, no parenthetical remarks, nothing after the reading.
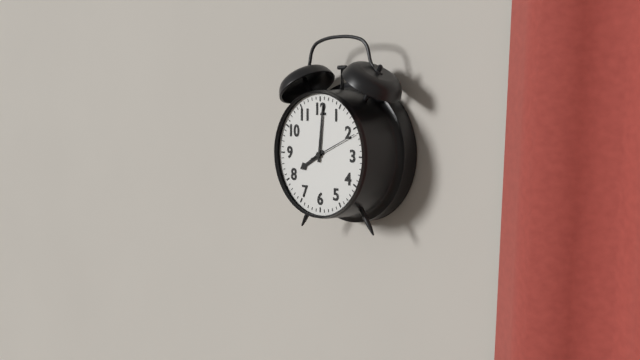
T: 8:01
